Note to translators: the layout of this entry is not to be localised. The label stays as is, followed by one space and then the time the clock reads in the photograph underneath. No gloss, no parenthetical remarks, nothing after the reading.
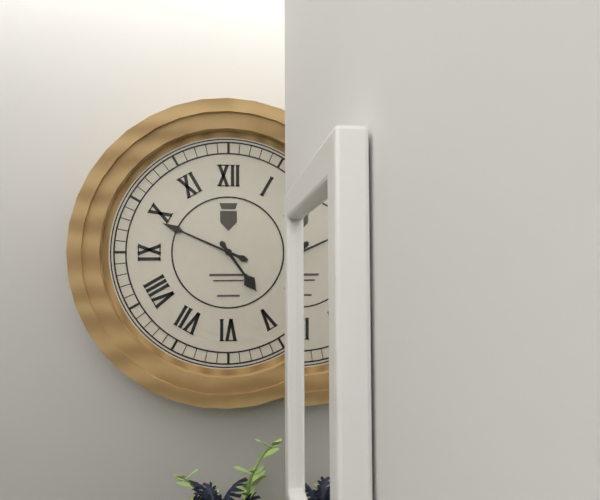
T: 4:49
